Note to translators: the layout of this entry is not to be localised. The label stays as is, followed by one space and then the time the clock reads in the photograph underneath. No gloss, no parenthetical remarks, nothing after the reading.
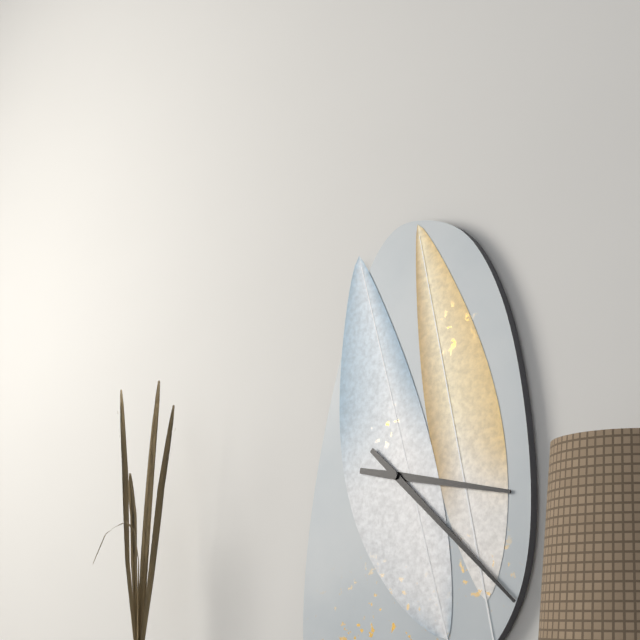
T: 3:22
